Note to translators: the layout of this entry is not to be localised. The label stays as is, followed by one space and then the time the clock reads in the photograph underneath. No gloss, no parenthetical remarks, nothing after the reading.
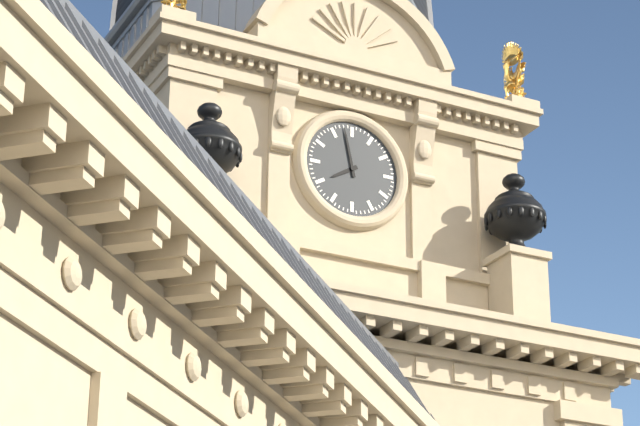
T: 7:58
